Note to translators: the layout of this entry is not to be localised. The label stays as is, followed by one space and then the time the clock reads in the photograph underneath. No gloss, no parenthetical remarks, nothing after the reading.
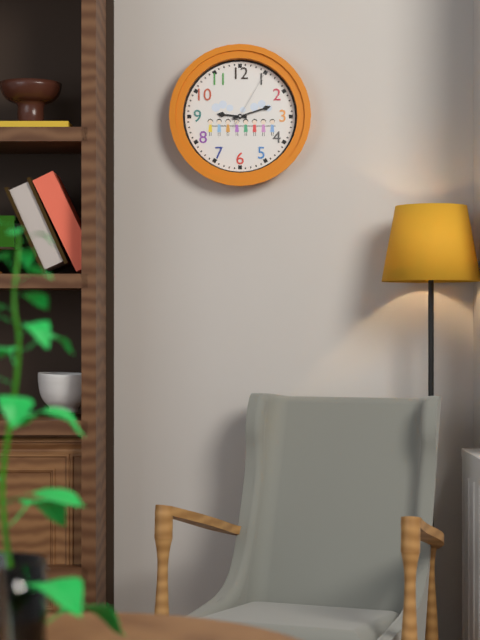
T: 9:12:05
